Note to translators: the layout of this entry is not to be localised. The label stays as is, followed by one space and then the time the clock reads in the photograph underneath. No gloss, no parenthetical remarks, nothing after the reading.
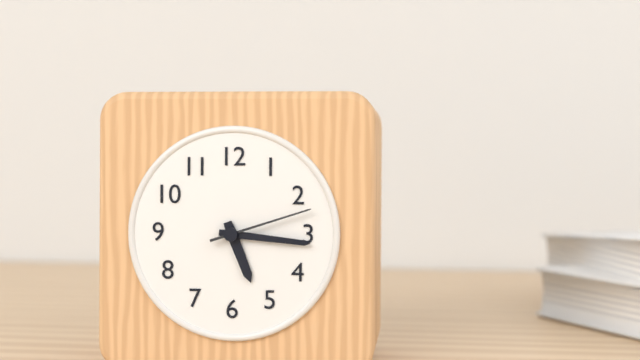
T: 5:16:12
